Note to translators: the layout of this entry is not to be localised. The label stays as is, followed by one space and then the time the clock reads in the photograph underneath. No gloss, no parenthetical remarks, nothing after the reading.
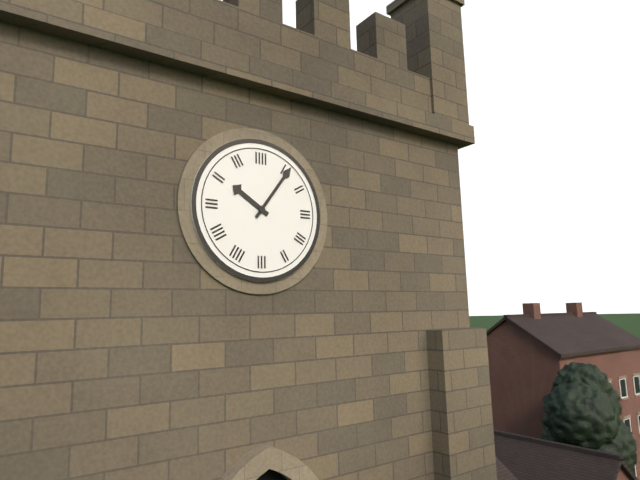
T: 10:06
